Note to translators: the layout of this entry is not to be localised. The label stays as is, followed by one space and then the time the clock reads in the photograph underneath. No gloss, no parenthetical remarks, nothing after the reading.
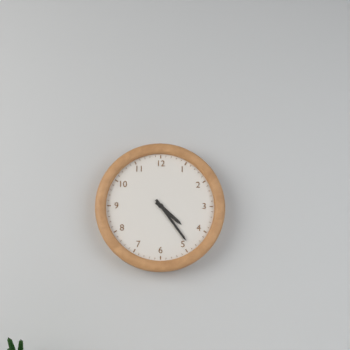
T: 4:24
